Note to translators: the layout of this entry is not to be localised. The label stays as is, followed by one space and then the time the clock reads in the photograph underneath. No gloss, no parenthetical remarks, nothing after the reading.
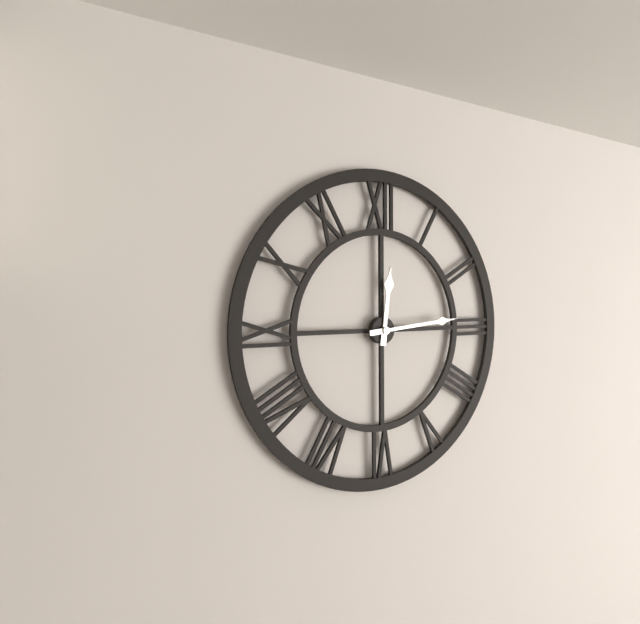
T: 12:14
